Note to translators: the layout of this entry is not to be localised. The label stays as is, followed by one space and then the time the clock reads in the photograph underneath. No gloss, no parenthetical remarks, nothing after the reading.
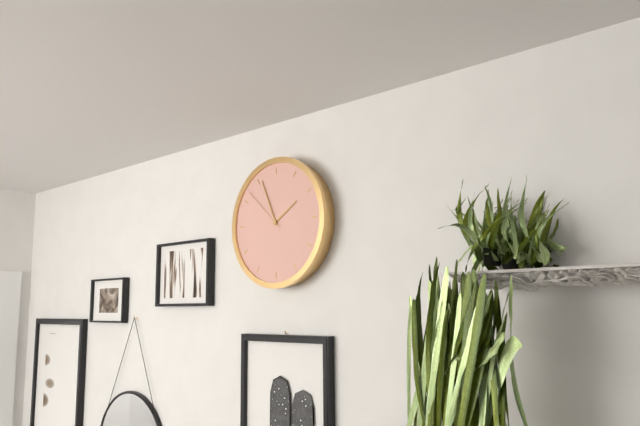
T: 1:56:52
